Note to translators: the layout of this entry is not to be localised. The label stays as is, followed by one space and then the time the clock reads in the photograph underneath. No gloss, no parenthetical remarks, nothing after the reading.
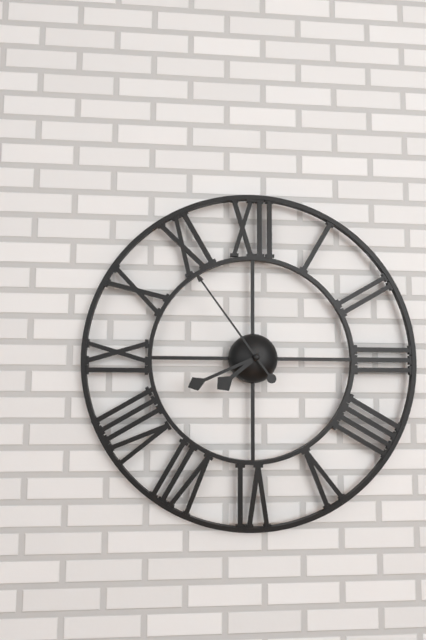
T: 7:41:54
